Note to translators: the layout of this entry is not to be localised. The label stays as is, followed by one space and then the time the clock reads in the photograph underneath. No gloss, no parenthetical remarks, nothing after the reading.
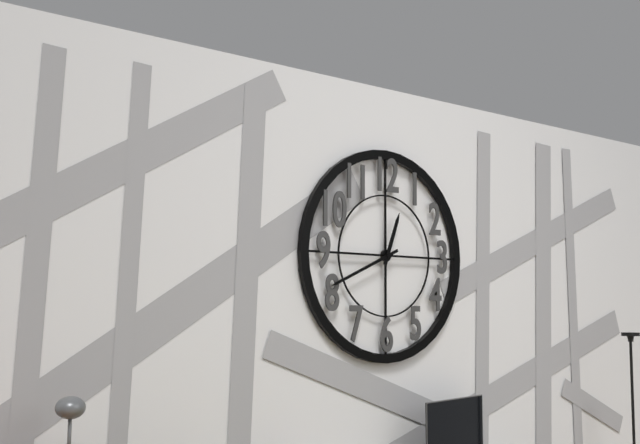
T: 12:41
